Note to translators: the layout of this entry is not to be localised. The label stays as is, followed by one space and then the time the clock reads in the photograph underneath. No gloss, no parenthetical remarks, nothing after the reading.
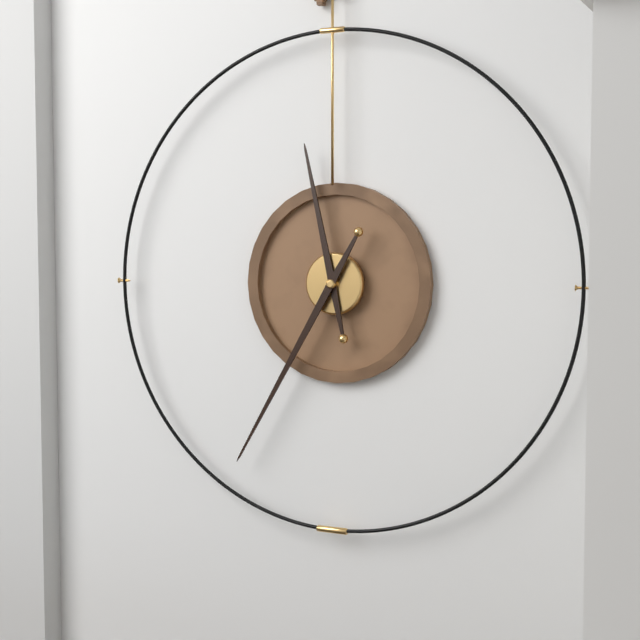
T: 11:35
